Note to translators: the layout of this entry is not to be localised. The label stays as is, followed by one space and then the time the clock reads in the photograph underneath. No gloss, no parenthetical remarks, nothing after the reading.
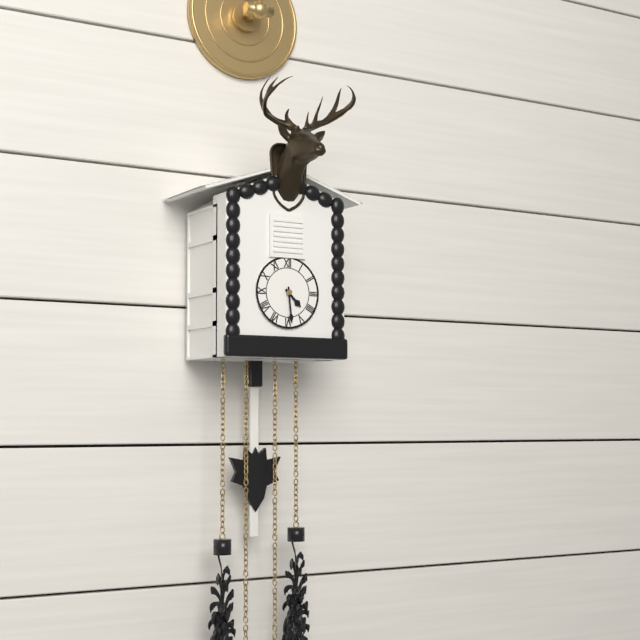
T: 4:29
